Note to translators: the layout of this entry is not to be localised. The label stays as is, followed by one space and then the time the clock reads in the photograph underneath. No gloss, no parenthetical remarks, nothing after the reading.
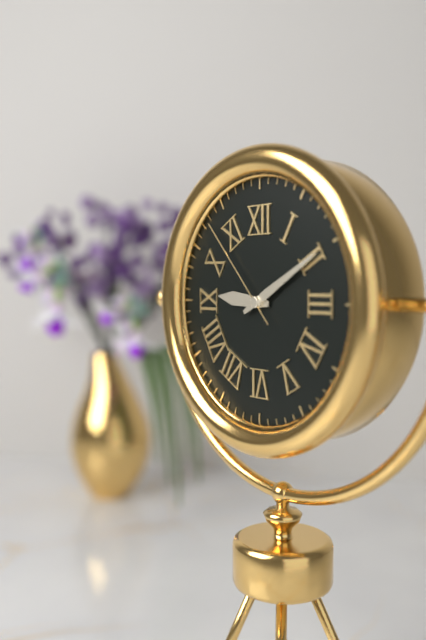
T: 9:10:53
